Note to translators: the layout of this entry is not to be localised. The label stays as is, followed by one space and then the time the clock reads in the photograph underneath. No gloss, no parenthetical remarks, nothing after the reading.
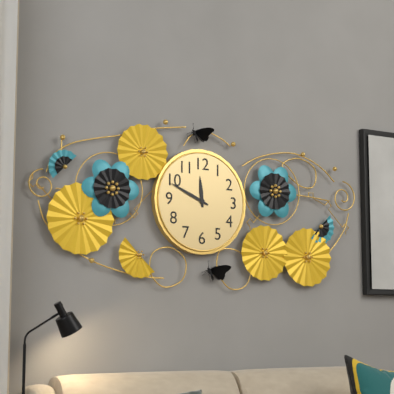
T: 11:49
